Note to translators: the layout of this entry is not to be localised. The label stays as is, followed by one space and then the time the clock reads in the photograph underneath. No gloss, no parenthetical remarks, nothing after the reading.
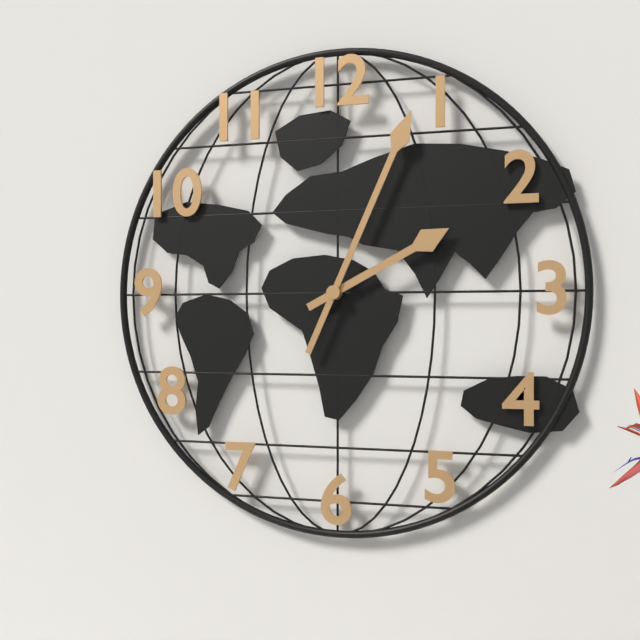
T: 2:04
